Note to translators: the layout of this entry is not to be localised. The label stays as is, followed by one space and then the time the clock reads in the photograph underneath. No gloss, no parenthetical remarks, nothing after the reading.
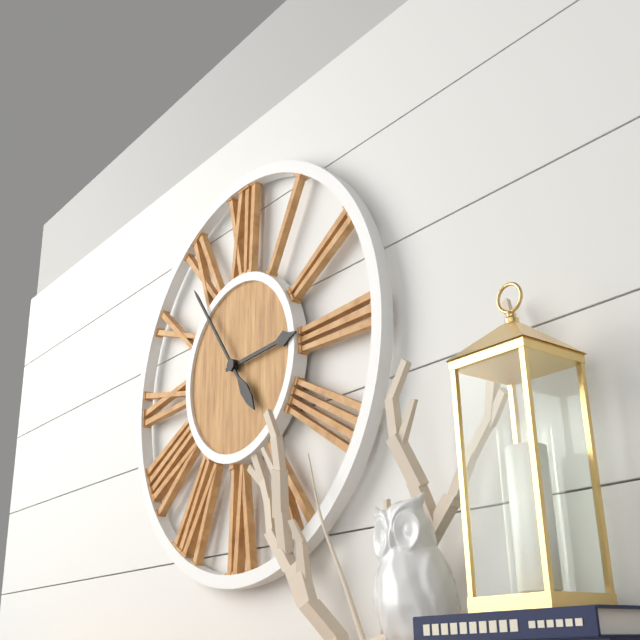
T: 2:54
